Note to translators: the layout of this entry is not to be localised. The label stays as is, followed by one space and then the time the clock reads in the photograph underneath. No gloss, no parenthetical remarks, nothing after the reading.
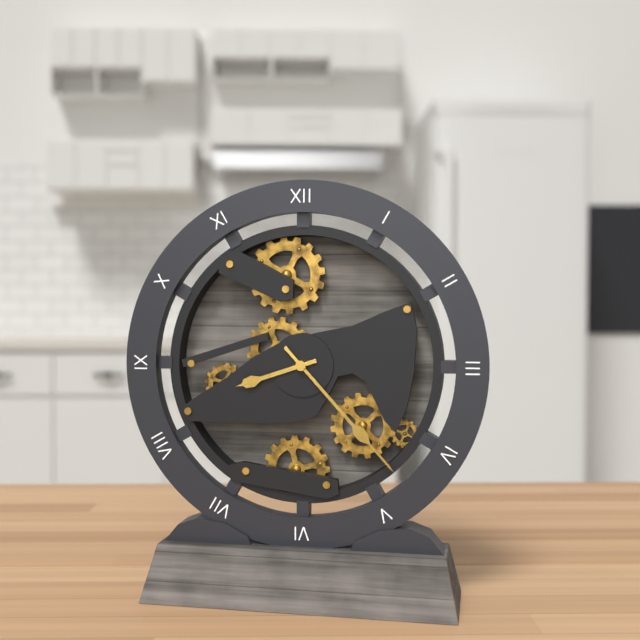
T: 8:23
